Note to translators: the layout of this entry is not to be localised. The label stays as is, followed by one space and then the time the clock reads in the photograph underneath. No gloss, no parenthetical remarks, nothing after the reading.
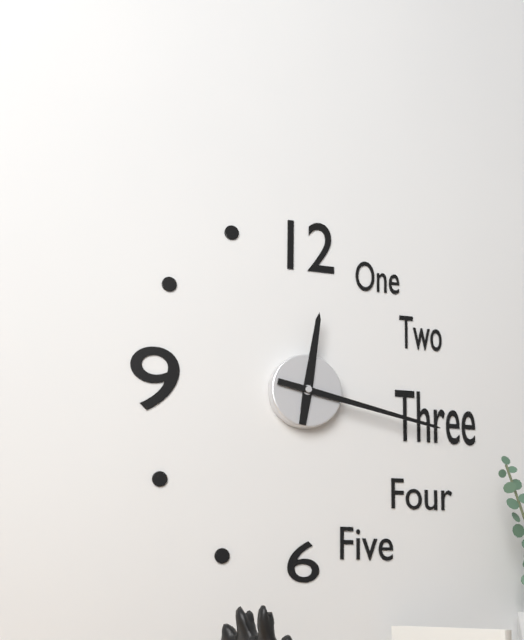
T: 12:17
